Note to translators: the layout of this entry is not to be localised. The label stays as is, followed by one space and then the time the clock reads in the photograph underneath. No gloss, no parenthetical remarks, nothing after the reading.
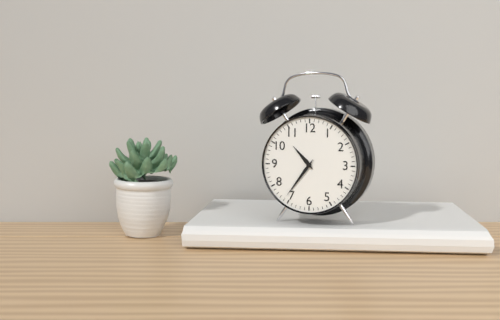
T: 10:36
